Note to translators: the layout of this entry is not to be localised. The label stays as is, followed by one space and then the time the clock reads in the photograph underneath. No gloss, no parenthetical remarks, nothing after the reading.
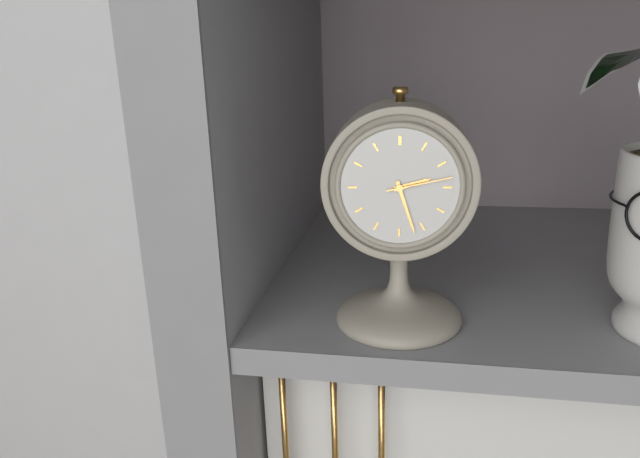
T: 2:27:13
